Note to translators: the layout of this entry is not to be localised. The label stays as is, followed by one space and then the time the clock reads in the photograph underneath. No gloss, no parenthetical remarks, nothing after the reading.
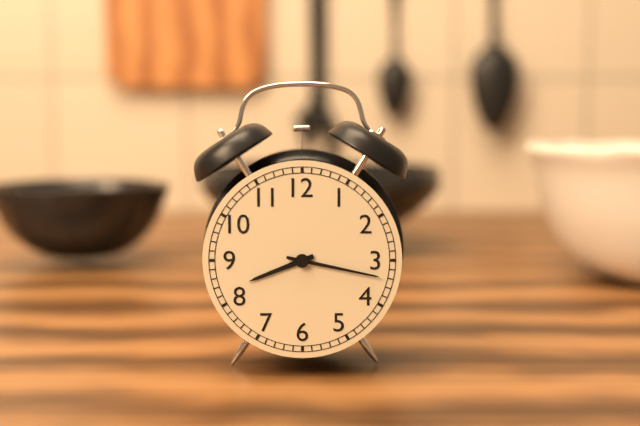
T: 8:17
